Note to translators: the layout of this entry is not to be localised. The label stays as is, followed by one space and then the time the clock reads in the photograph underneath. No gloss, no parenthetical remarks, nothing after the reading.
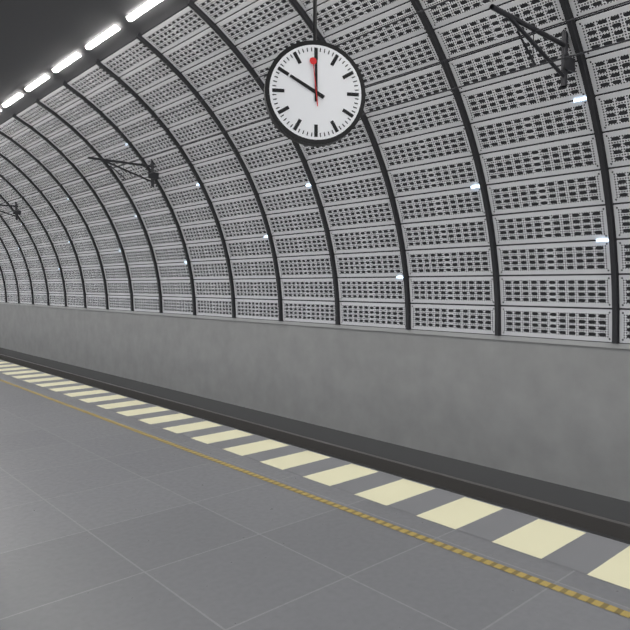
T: 10:00
